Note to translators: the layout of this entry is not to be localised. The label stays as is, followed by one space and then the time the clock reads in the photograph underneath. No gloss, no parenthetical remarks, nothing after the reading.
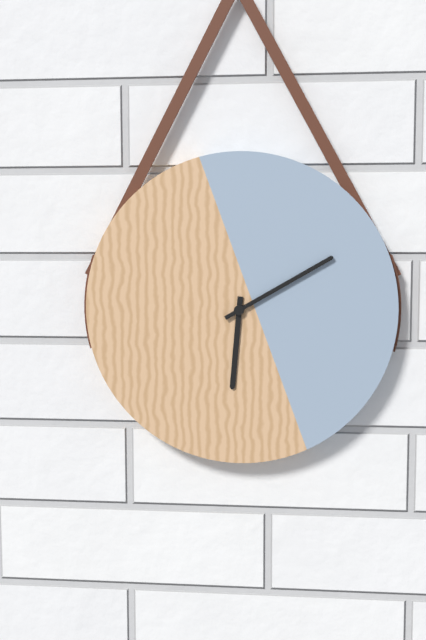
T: 6:10
